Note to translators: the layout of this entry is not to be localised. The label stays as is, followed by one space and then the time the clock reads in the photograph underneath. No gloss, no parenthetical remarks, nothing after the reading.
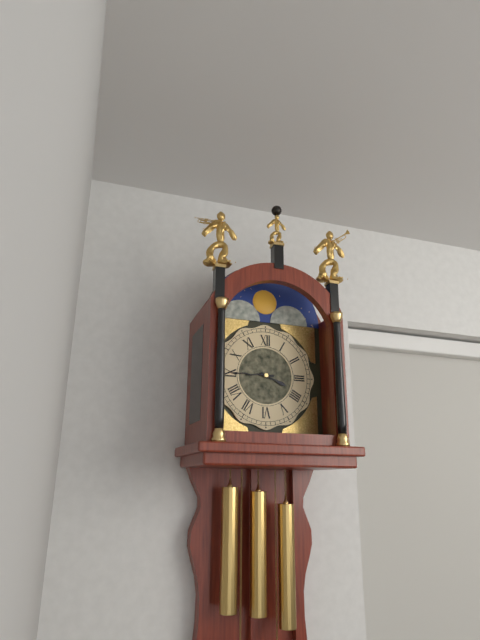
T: 3:45
